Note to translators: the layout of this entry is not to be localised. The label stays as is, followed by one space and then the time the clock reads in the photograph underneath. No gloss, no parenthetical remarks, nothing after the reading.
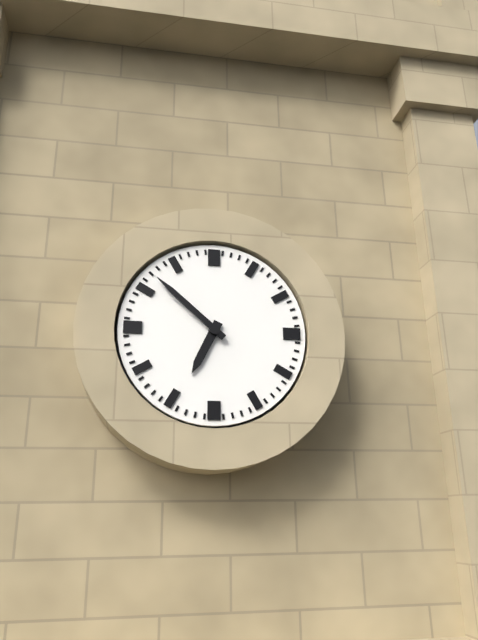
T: 6:52
